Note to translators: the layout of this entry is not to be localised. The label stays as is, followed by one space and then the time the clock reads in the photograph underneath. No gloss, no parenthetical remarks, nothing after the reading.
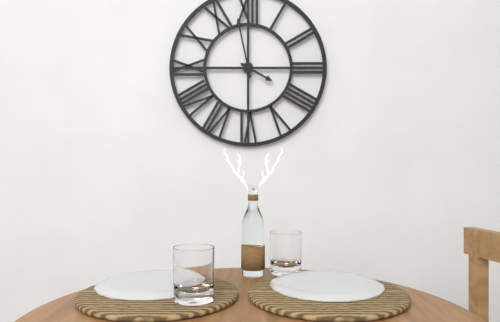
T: 3:58
